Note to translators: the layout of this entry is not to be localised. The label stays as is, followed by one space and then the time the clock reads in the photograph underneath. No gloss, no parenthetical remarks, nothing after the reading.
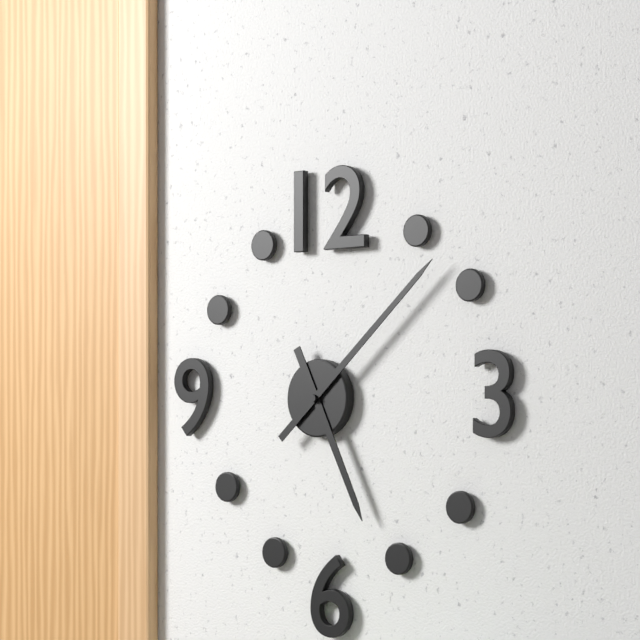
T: 5:08
